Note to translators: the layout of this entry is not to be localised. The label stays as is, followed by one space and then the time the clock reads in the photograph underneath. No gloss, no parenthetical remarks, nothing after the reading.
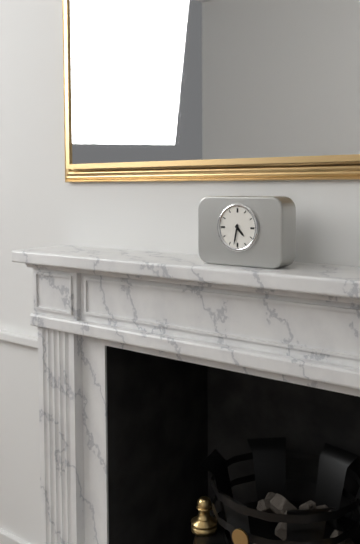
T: 4:32
